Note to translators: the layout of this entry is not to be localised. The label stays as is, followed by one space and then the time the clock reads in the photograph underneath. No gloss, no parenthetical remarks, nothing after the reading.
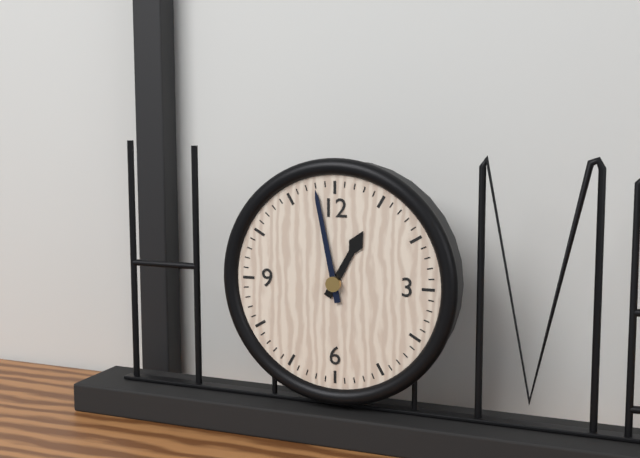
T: 12:58
